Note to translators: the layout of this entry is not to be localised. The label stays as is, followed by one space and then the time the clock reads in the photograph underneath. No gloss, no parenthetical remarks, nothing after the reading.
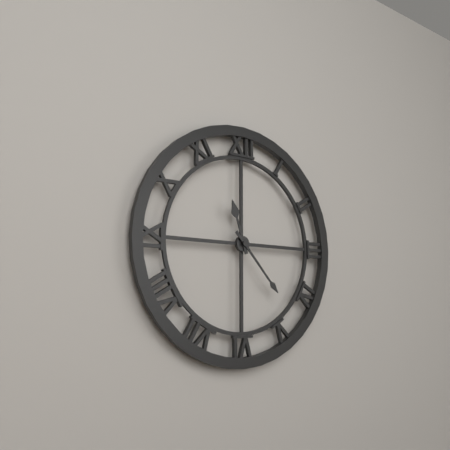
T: 11:23
